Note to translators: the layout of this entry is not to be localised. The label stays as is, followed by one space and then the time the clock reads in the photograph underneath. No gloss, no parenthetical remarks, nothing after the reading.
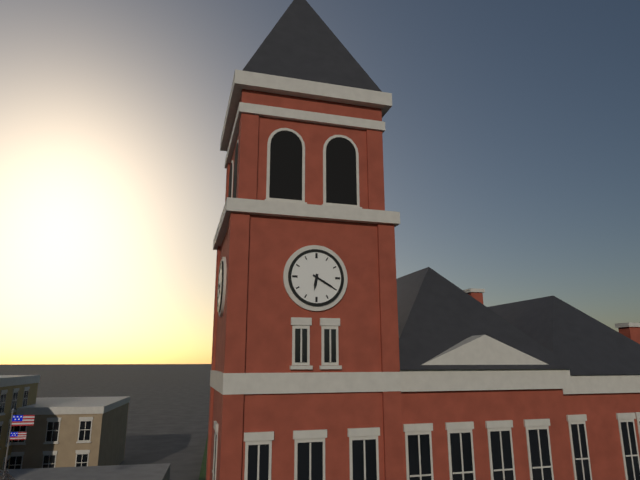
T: 6:20
